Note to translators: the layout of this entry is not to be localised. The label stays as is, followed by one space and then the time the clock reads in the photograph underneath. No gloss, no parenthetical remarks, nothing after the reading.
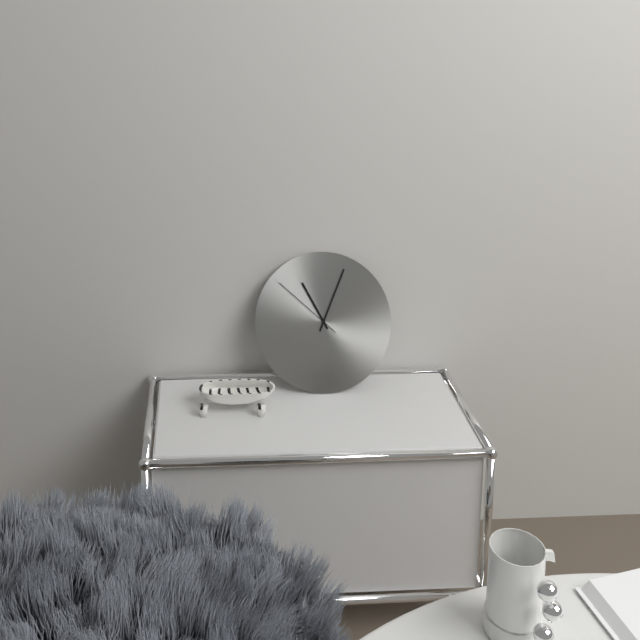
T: 11:04:52
